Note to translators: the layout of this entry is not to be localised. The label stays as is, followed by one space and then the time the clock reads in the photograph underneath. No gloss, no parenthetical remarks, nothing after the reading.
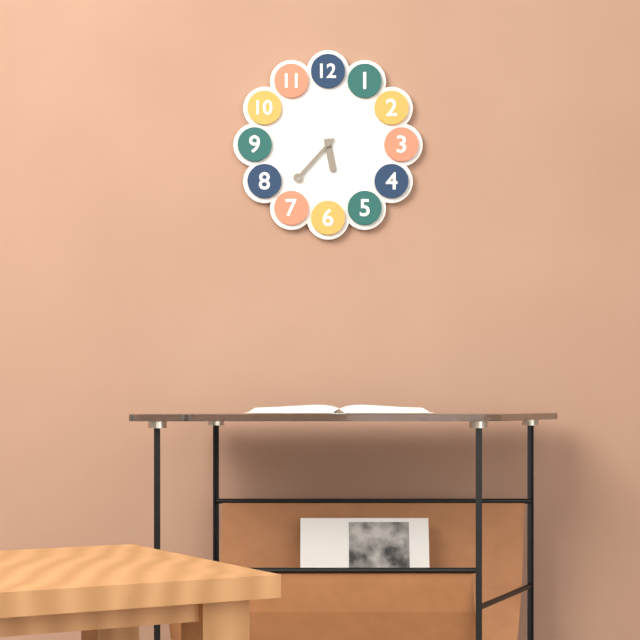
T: 5:37
